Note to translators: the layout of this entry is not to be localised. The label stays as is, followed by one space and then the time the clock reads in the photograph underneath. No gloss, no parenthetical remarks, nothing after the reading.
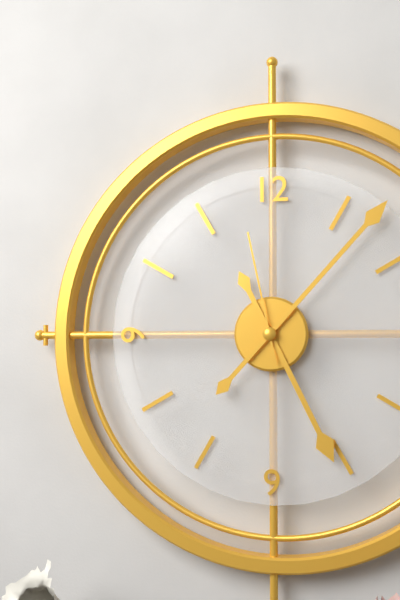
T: 5:07:58
